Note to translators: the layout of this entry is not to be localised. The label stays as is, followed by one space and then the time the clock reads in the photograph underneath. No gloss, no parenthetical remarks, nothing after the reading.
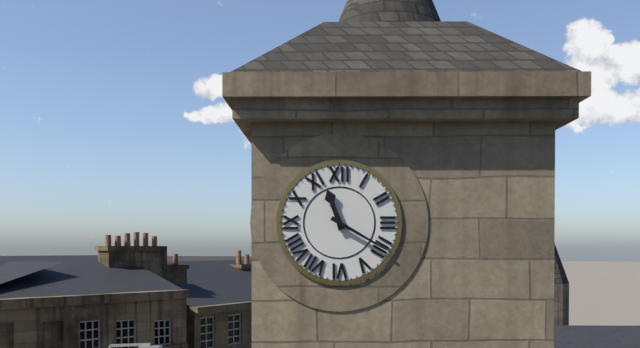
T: 11:20
